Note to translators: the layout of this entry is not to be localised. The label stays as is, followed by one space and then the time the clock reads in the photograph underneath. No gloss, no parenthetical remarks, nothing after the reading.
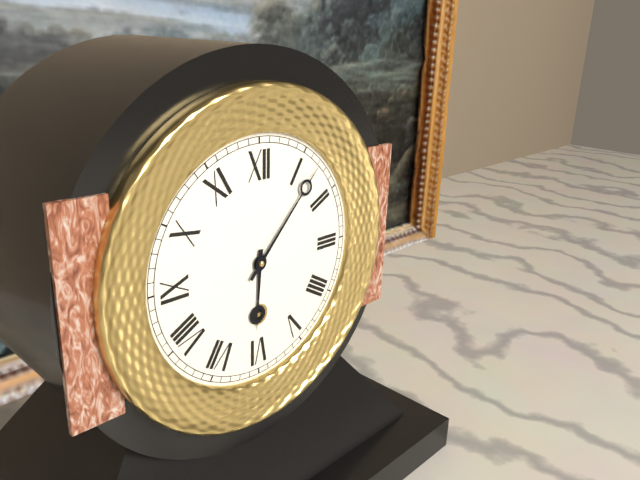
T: 6:07
